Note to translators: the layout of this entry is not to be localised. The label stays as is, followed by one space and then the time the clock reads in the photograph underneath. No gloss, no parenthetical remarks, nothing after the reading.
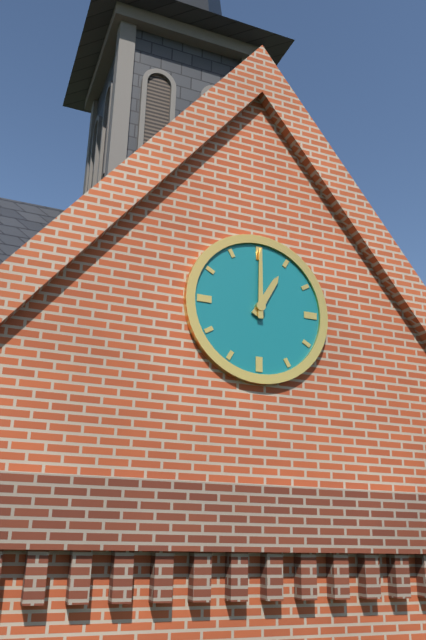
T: 1:00
